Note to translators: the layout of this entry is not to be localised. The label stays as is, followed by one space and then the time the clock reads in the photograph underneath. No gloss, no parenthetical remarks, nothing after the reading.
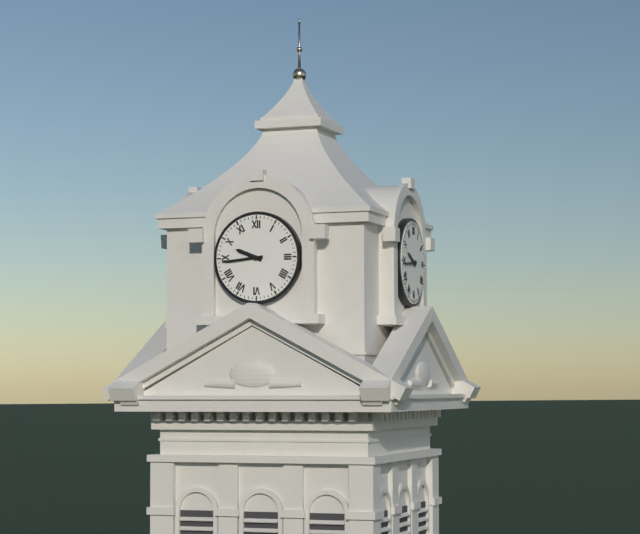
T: 9:44
